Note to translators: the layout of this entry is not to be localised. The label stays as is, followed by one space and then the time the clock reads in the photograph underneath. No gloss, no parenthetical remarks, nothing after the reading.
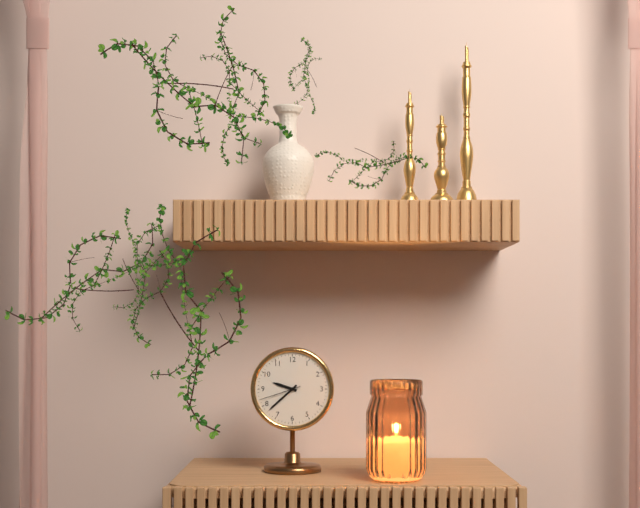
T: 9:38
